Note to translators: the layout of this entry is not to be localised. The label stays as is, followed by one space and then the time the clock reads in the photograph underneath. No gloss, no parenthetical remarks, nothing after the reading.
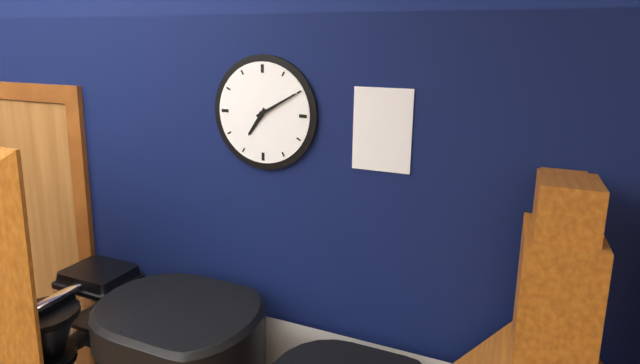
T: 7:10
